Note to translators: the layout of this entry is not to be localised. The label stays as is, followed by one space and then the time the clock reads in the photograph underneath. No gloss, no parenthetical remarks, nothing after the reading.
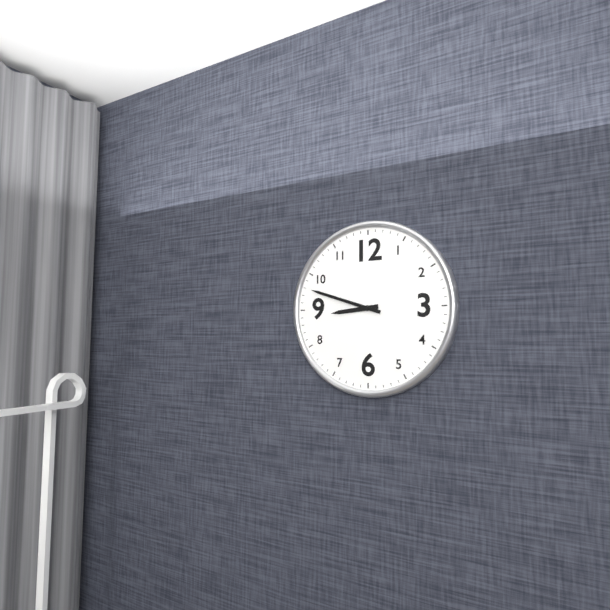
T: 8:48
